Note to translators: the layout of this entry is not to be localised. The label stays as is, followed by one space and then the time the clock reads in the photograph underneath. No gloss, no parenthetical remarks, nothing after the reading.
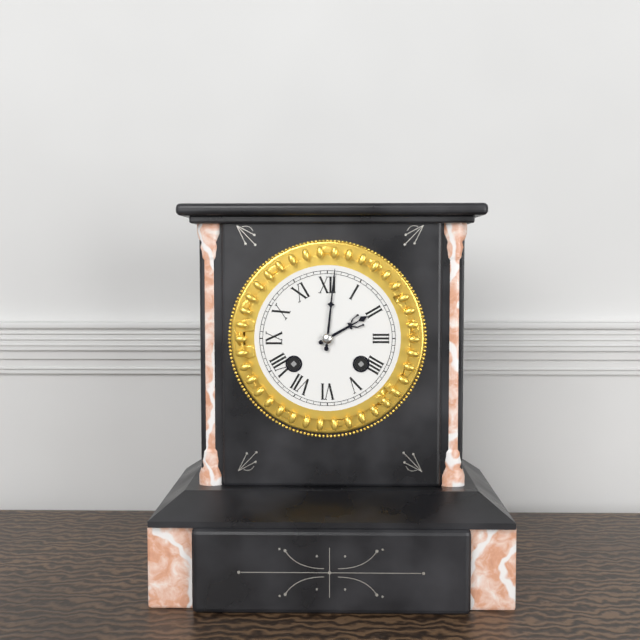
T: 2:01
